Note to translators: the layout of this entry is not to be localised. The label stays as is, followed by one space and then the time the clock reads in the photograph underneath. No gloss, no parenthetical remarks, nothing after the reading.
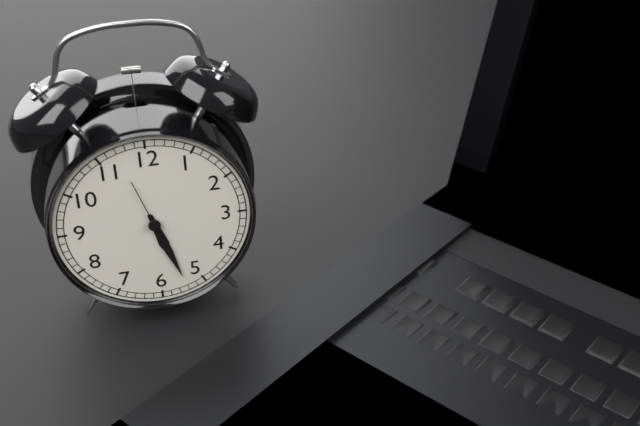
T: 5:27:57
